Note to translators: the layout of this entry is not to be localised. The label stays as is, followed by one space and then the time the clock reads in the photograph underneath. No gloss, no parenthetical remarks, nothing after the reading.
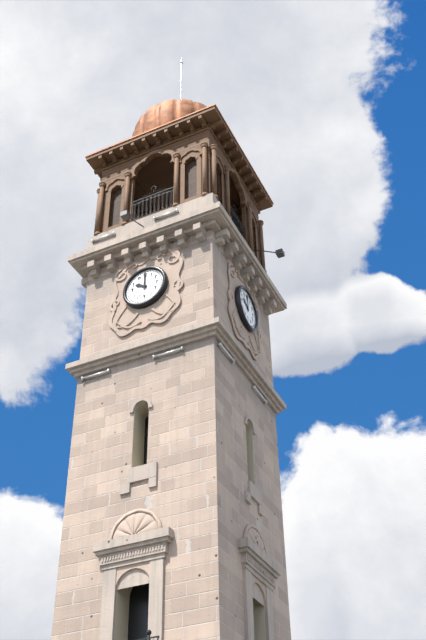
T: 10:00
